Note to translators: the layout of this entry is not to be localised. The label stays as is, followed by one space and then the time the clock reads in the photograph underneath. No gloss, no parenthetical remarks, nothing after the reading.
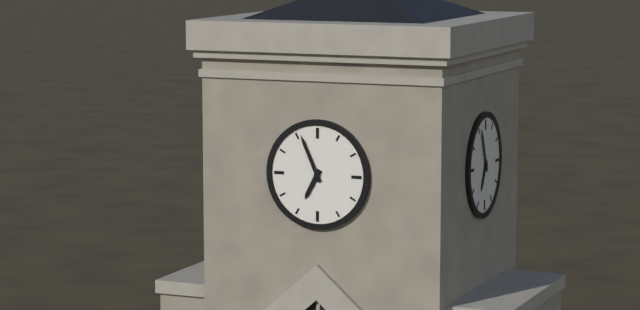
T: 6:56
